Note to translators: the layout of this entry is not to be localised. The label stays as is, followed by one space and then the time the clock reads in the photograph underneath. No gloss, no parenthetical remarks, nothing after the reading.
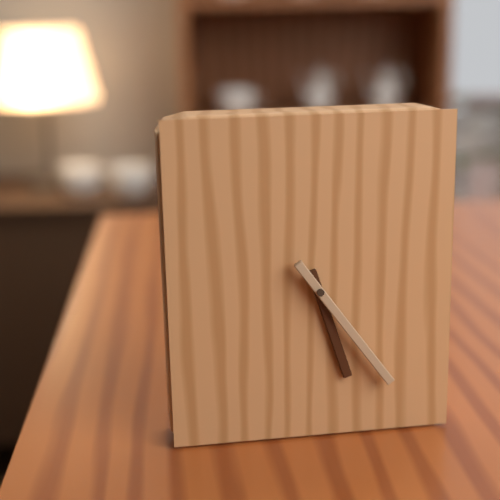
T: 5:24
